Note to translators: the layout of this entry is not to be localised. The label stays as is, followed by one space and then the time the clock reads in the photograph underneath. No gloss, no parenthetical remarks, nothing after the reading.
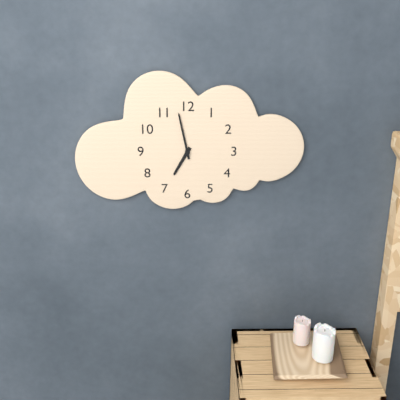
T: 6:58
